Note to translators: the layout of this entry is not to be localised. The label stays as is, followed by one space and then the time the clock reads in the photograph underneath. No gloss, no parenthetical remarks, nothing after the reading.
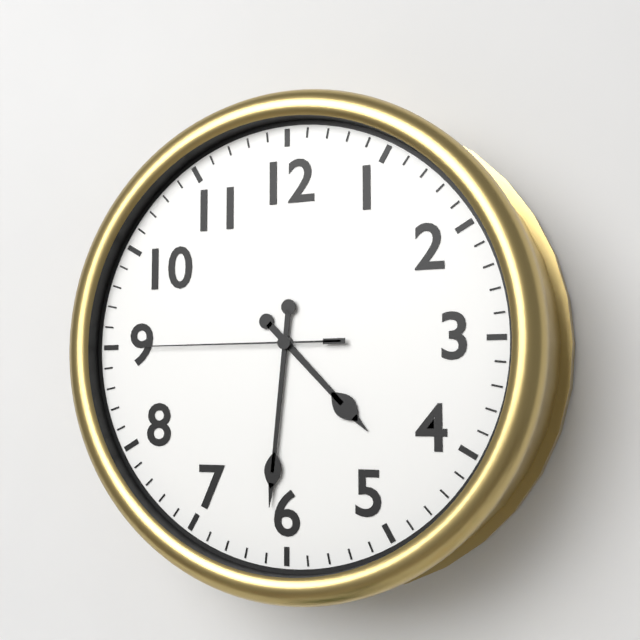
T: 4:31:45
